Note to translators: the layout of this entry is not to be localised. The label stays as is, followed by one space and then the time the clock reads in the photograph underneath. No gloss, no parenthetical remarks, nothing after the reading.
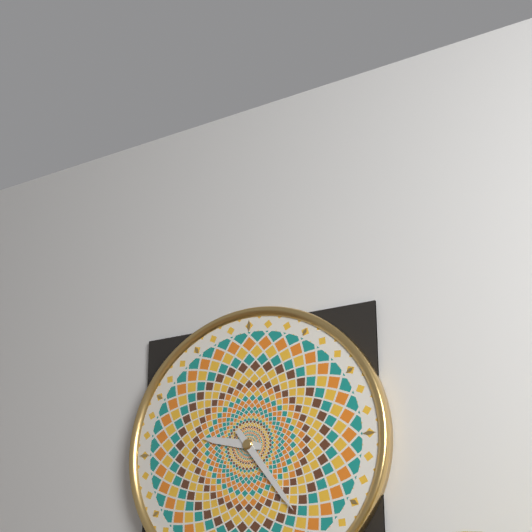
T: 9:24
